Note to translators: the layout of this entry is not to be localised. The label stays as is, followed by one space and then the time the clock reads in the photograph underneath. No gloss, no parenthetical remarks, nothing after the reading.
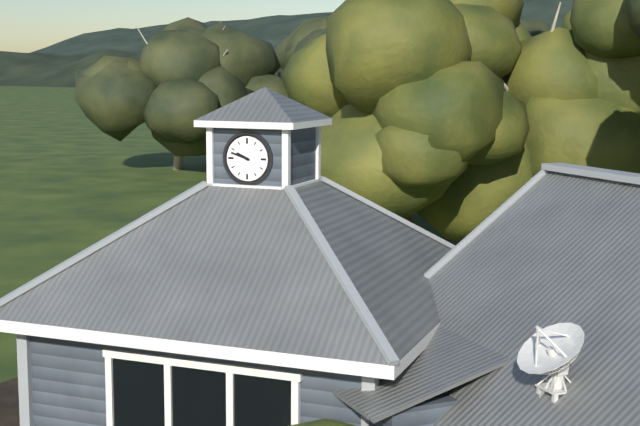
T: 9:48
